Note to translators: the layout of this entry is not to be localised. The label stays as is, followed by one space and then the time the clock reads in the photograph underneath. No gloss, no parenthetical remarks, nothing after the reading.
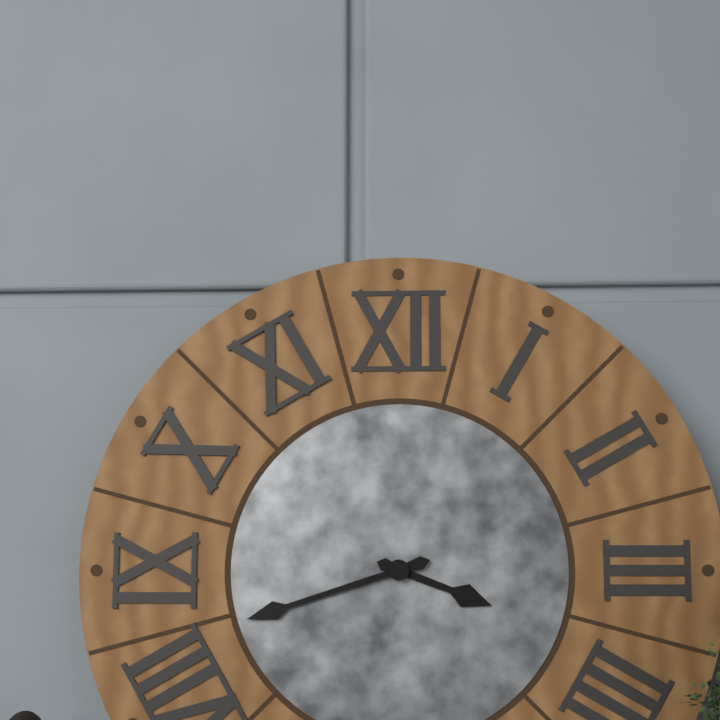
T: 3:42
